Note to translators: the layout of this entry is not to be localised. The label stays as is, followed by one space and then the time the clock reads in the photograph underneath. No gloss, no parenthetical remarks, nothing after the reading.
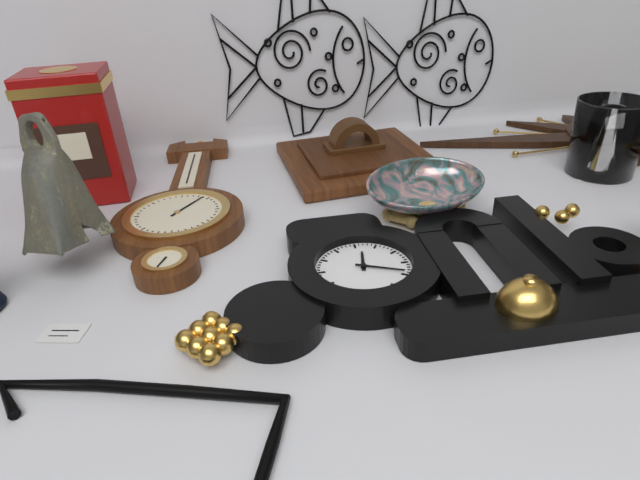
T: 12:19
